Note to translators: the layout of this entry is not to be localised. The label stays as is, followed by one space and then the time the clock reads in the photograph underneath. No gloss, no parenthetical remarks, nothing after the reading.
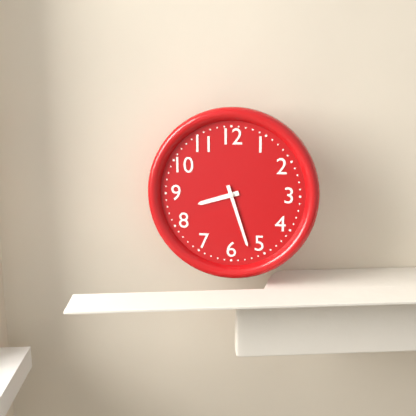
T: 8:27
